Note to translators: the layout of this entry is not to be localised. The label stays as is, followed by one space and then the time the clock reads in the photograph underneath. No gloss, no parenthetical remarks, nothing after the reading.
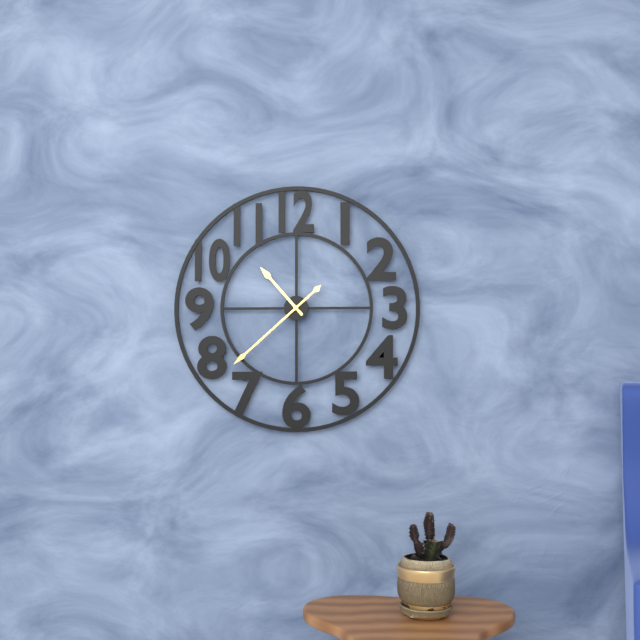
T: 10:38
